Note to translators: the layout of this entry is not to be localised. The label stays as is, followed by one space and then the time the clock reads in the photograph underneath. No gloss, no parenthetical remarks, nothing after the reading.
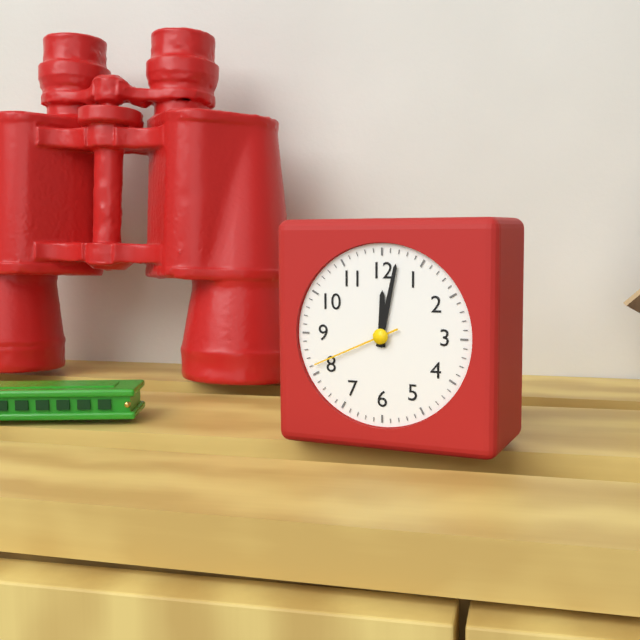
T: 12:02:41
